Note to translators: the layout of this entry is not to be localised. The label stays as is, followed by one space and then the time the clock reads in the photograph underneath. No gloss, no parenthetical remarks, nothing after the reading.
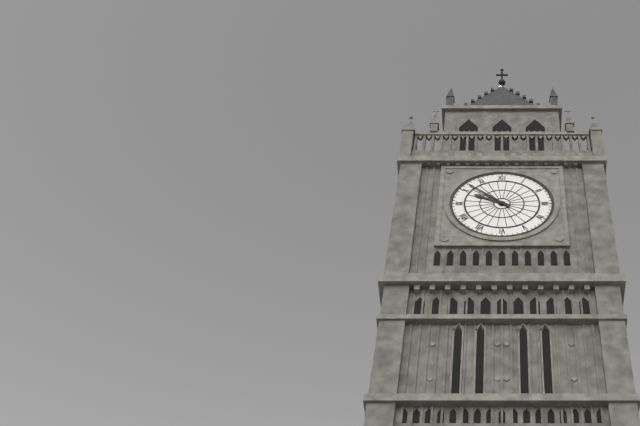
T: 9:52
